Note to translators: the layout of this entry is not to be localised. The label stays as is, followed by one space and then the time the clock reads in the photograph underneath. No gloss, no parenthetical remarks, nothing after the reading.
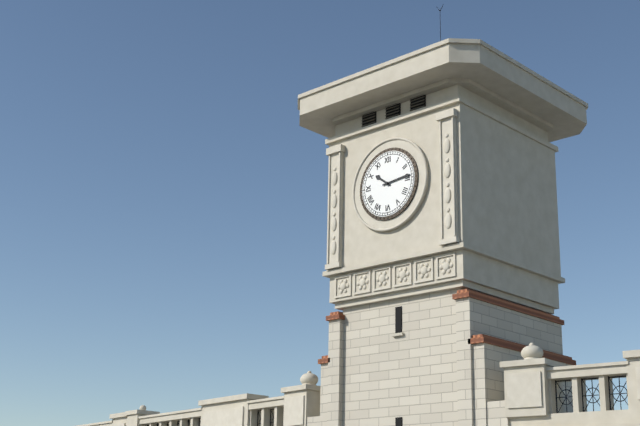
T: 10:14
